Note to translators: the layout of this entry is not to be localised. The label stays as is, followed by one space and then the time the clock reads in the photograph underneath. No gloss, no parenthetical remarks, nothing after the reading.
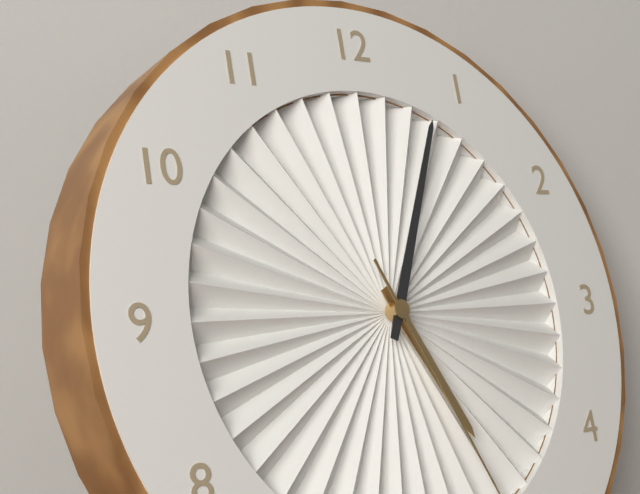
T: 5:04
